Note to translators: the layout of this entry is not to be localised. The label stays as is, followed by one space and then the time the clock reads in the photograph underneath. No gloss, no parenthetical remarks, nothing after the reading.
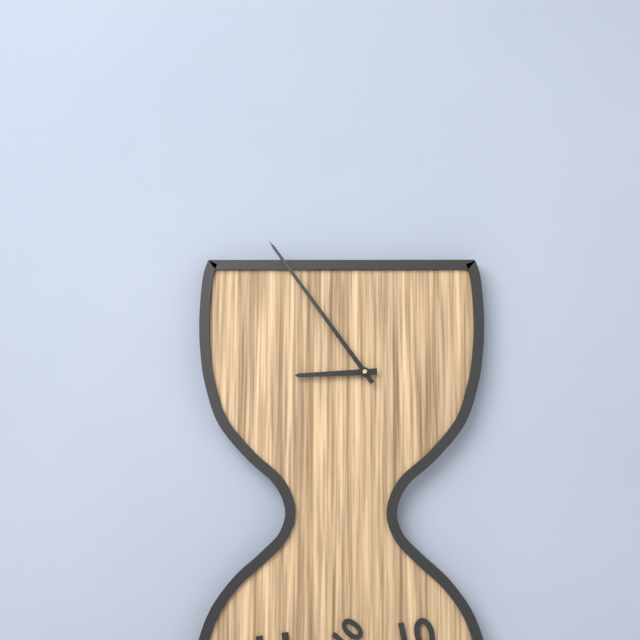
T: 8:54
